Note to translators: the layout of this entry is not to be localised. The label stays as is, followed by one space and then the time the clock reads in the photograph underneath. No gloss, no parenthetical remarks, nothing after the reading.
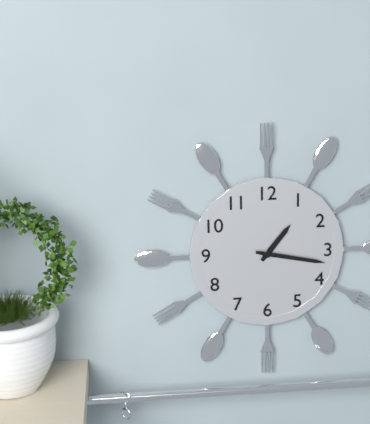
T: 1:17
